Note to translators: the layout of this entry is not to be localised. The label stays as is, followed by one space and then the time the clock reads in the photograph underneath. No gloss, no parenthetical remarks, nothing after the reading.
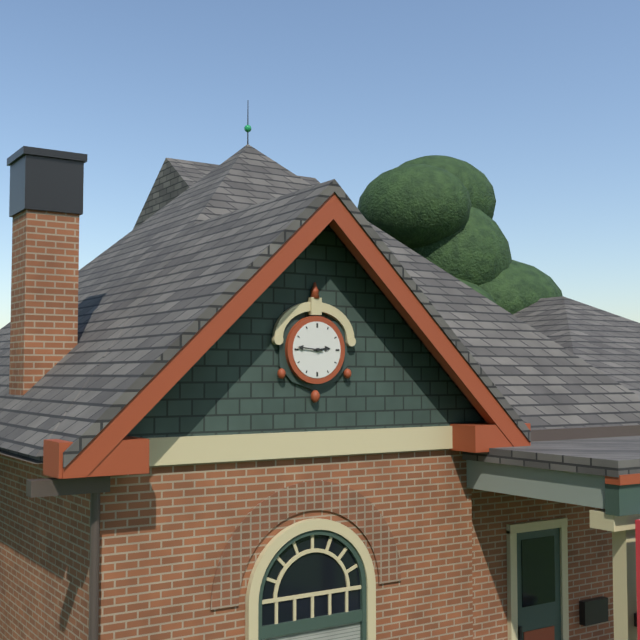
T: 2:46
